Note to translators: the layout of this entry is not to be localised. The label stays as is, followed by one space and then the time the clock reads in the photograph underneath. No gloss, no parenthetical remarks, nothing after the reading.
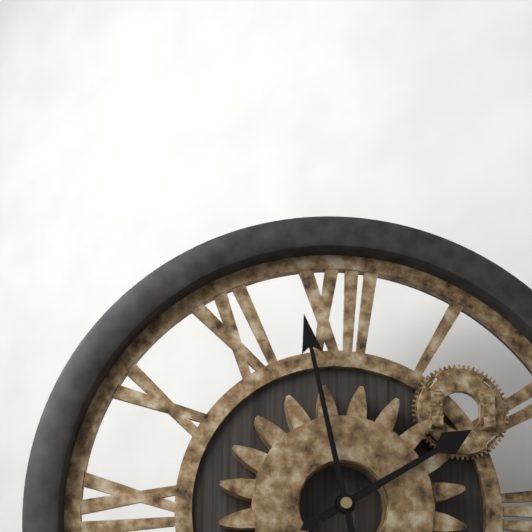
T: 1:58
